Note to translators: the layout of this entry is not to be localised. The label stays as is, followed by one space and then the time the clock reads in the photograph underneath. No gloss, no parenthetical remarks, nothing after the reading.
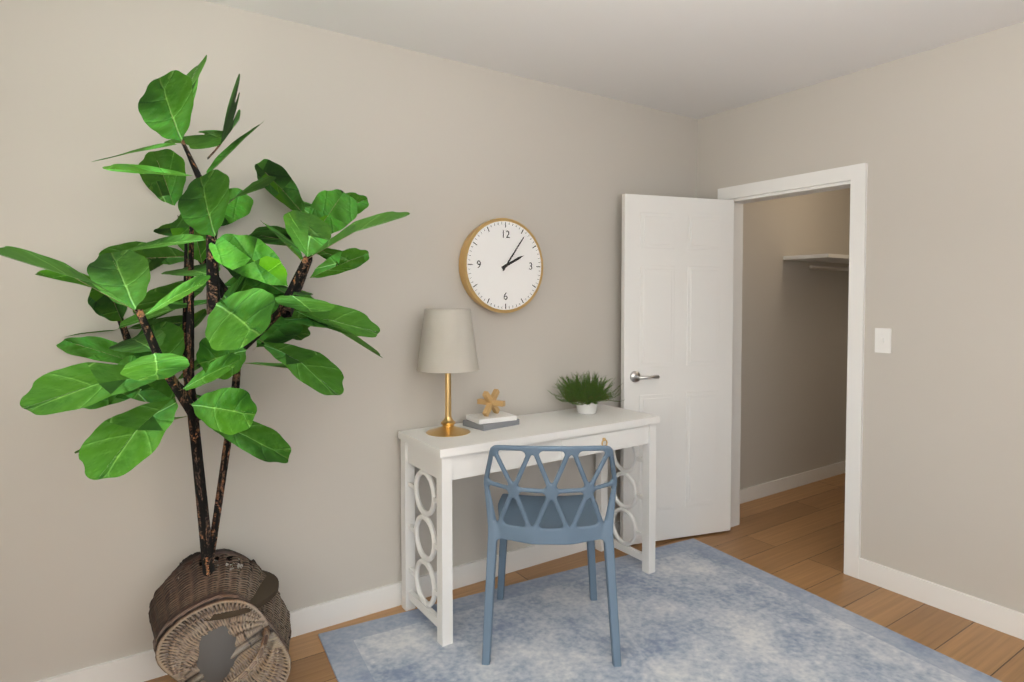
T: 2:06
